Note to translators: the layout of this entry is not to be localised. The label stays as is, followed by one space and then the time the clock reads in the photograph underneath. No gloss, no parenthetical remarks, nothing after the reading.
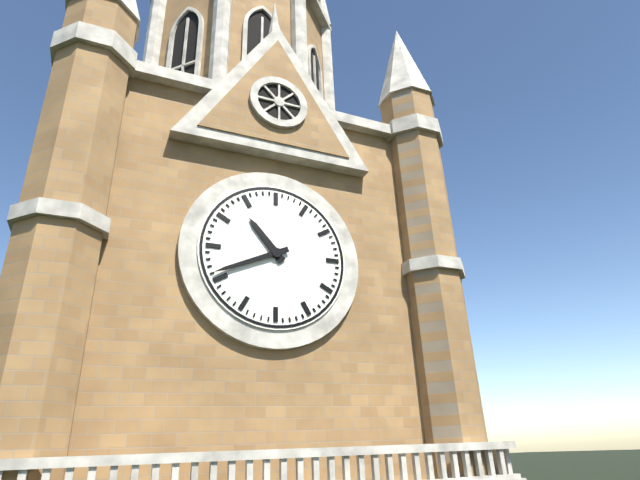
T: 10:41
